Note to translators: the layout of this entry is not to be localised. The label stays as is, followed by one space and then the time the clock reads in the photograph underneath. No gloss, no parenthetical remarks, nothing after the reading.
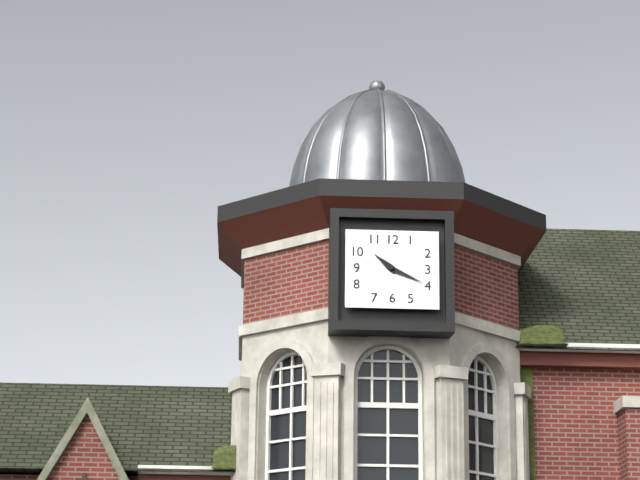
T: 10:19
